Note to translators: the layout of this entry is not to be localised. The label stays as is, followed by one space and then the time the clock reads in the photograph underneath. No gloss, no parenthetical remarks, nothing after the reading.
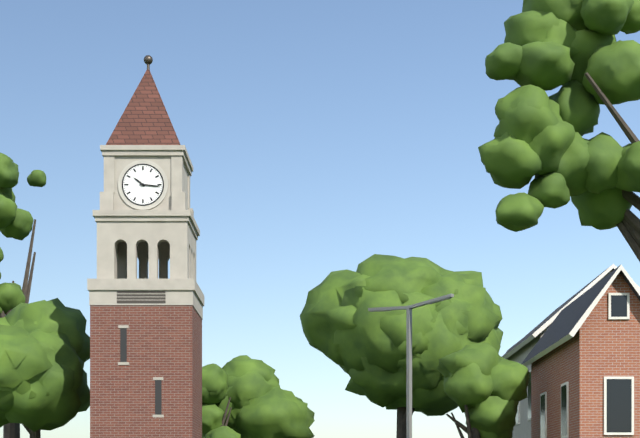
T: 10:16
